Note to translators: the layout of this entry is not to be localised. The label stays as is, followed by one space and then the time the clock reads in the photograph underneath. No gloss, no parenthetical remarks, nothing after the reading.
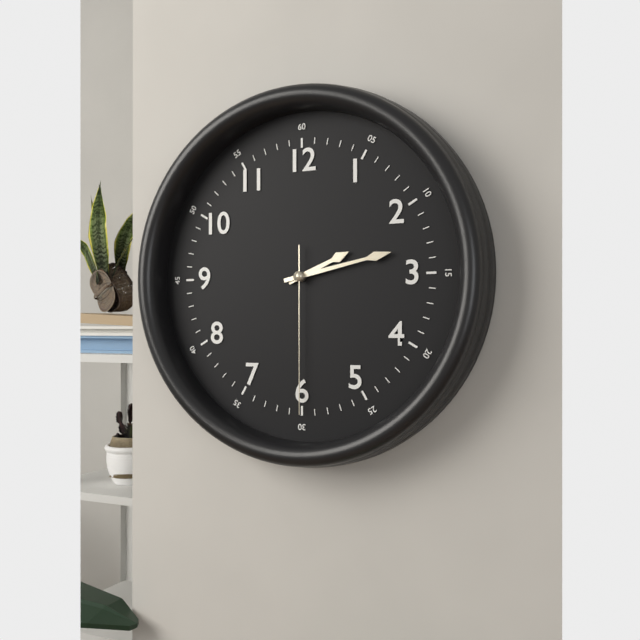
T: 2:13:30
